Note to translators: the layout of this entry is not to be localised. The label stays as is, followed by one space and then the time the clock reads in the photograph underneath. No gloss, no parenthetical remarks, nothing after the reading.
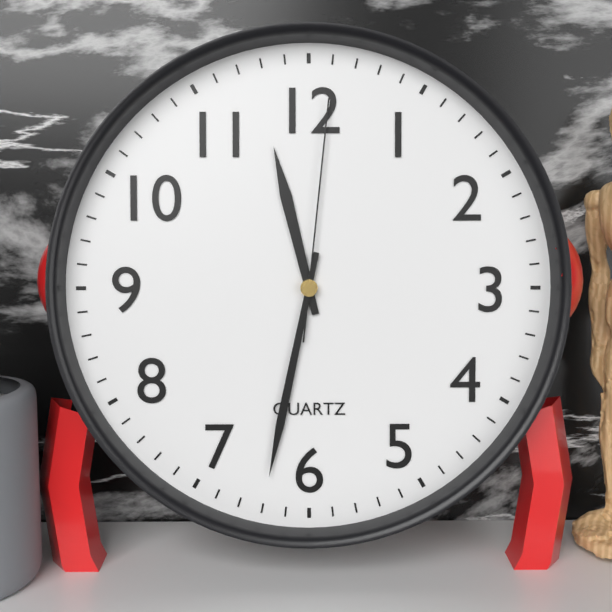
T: 11:32:01
